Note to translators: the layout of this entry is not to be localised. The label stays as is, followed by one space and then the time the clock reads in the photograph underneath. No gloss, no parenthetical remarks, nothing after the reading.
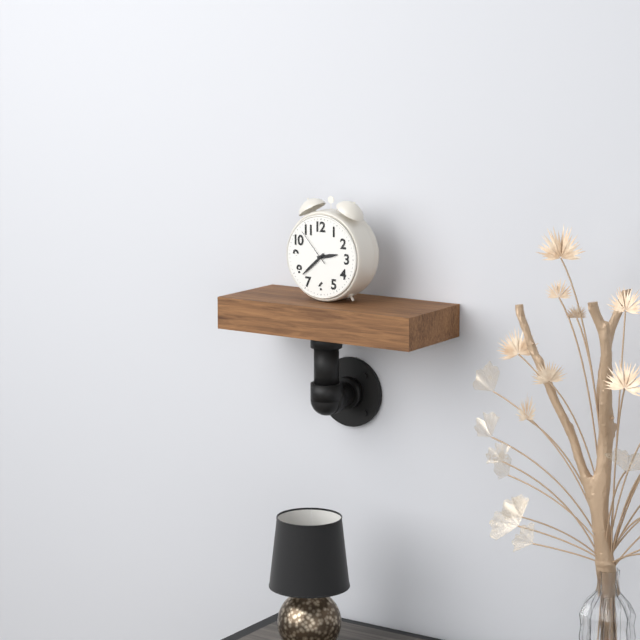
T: 2:38
